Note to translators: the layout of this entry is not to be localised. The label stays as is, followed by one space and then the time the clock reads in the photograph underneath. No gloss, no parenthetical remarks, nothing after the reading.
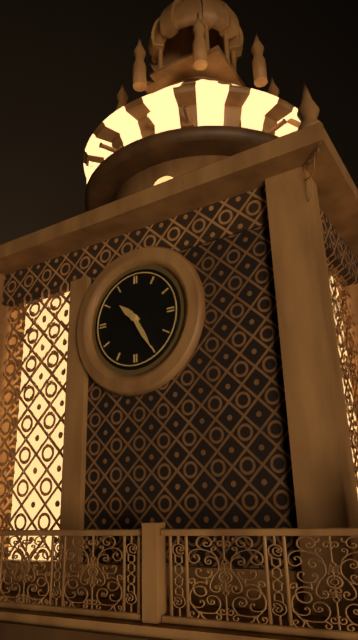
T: 10:25
